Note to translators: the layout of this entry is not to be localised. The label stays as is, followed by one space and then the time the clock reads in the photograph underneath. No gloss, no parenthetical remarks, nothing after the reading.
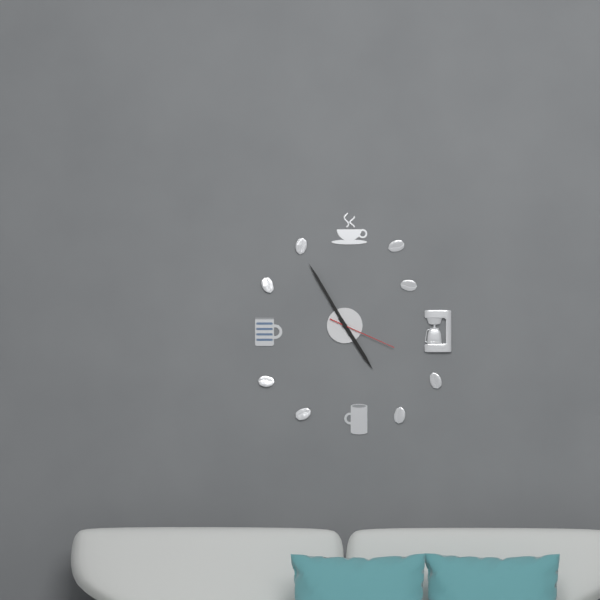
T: 4:55:19
